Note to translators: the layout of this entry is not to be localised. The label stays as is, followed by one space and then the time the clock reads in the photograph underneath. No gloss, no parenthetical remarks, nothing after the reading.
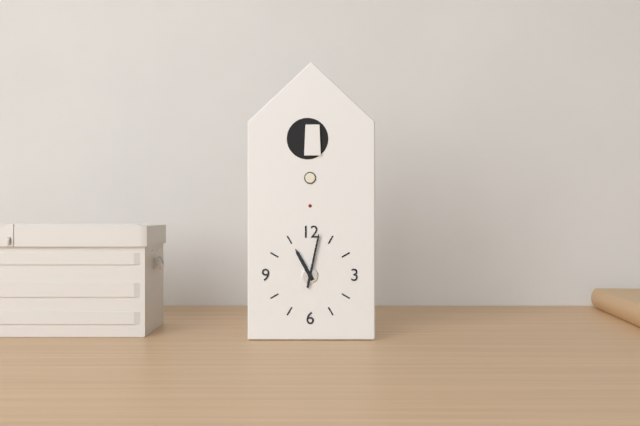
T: 11:02
